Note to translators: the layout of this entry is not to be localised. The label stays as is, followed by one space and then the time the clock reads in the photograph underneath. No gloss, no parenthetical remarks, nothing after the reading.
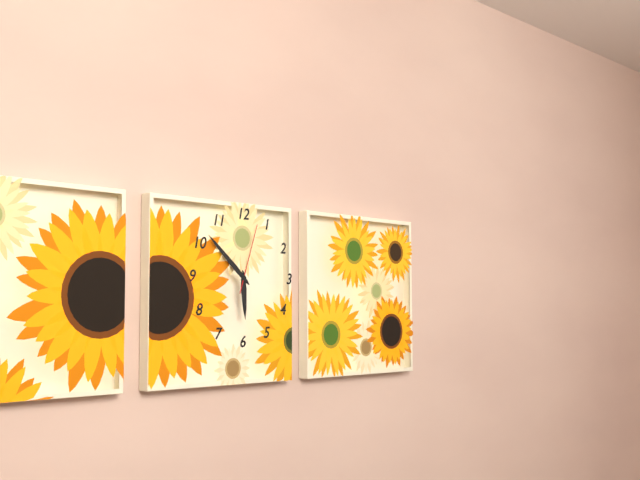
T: 5:52:03
